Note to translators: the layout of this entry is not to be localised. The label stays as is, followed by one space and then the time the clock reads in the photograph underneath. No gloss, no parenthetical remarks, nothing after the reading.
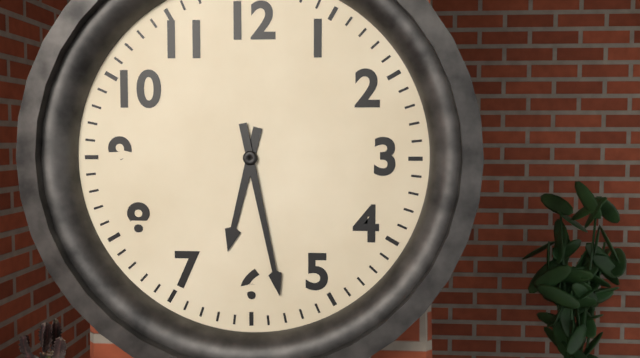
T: 6:28
